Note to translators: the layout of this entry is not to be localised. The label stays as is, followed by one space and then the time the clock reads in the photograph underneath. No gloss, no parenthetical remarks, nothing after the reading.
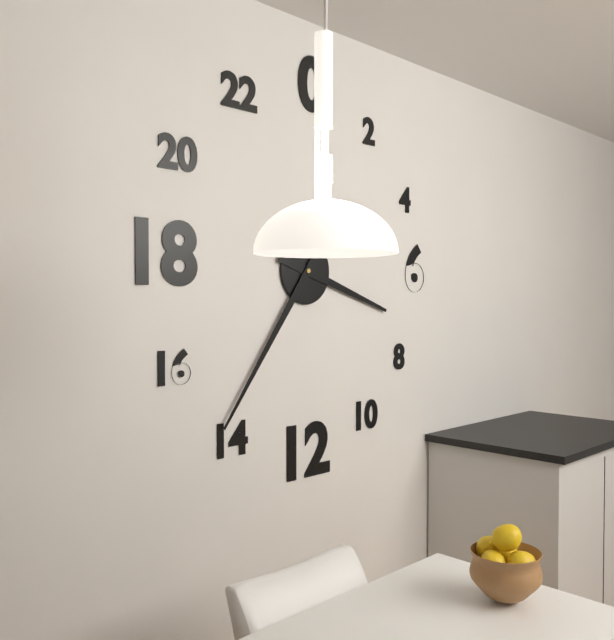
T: 3:36
